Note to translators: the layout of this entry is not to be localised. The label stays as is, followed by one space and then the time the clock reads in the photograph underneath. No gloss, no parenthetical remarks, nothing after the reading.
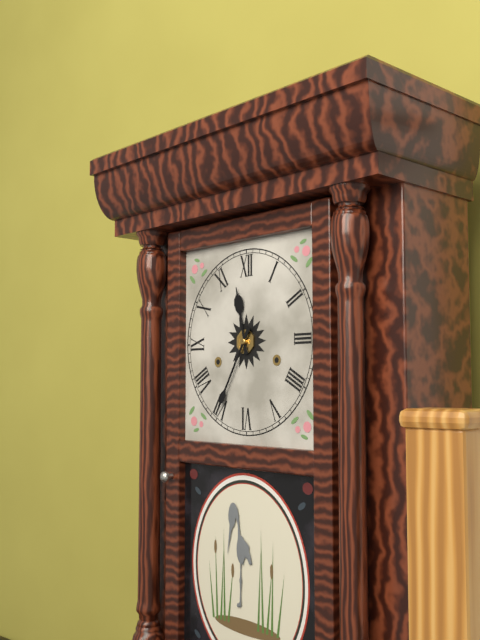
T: 11:35
